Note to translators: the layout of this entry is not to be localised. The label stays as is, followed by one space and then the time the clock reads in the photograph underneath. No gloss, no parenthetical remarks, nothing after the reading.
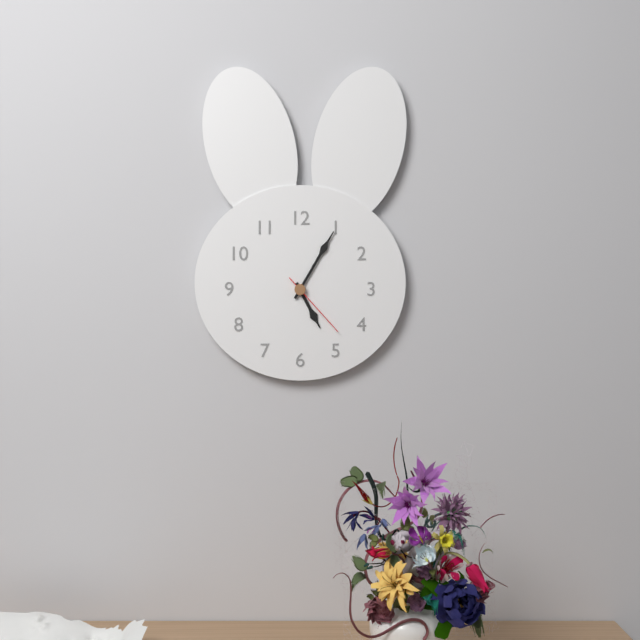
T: 5:05:23
